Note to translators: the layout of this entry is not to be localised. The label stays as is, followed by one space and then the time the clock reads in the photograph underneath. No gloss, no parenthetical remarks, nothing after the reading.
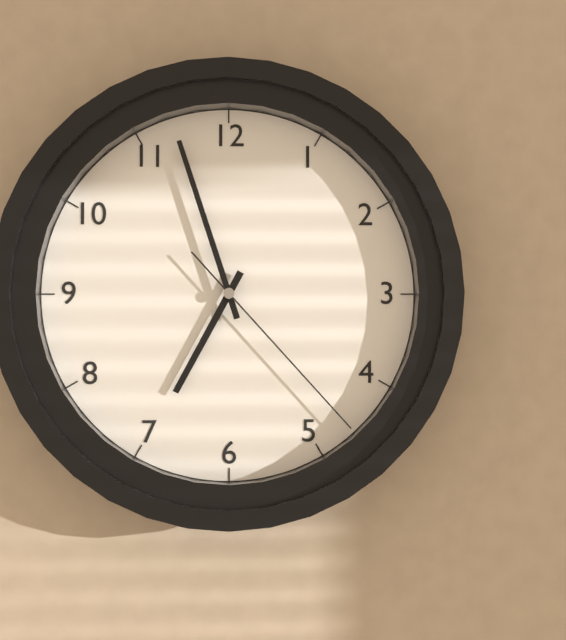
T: 6:57:23
